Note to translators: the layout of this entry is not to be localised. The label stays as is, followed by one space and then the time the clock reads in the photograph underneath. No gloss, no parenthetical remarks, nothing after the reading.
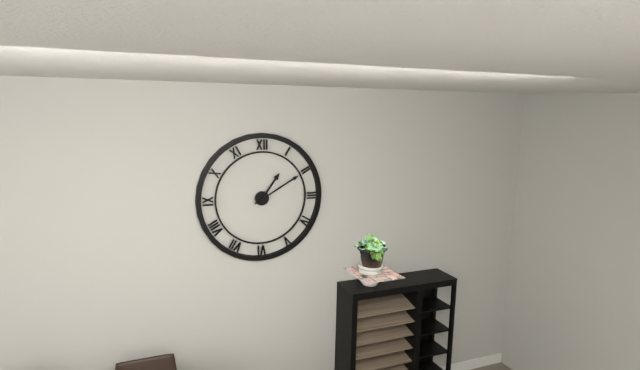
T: 1:10
